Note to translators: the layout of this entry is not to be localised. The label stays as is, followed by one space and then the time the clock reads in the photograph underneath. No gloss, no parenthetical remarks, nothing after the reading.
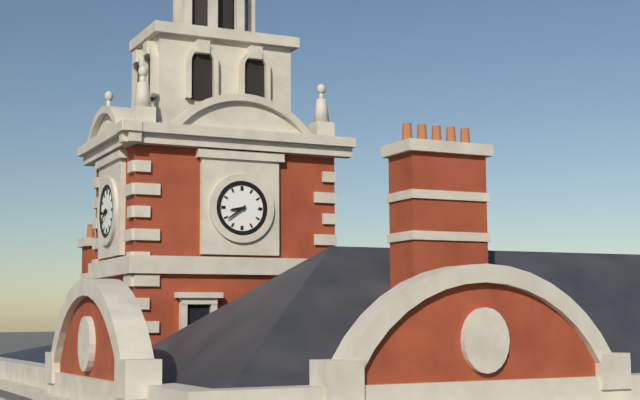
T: 8:39
